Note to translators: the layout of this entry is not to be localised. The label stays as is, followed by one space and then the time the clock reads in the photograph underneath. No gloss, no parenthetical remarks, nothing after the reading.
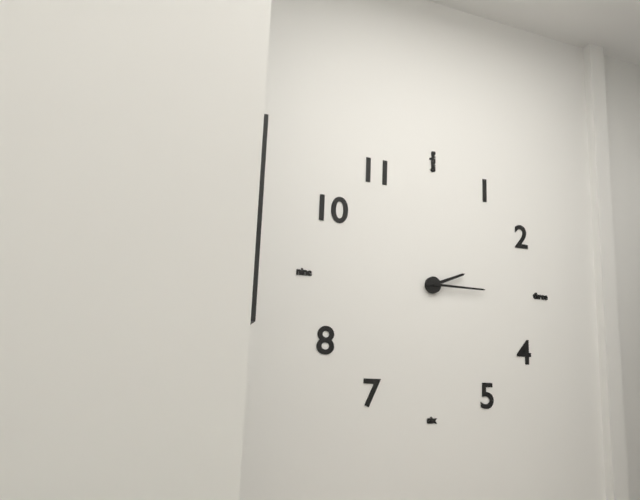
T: 2:15
